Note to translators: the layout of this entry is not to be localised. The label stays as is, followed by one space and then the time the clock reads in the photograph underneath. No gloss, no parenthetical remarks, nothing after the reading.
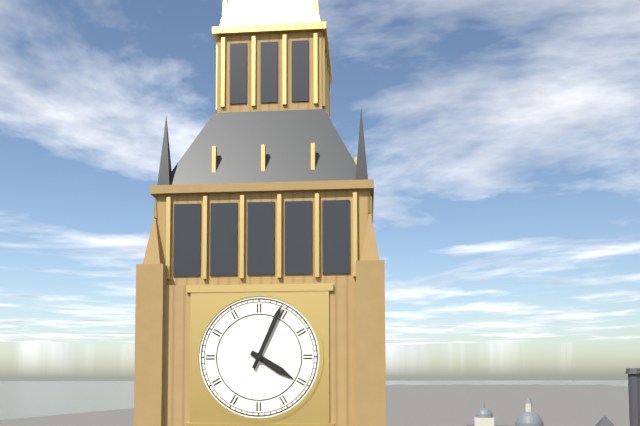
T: 4:04
